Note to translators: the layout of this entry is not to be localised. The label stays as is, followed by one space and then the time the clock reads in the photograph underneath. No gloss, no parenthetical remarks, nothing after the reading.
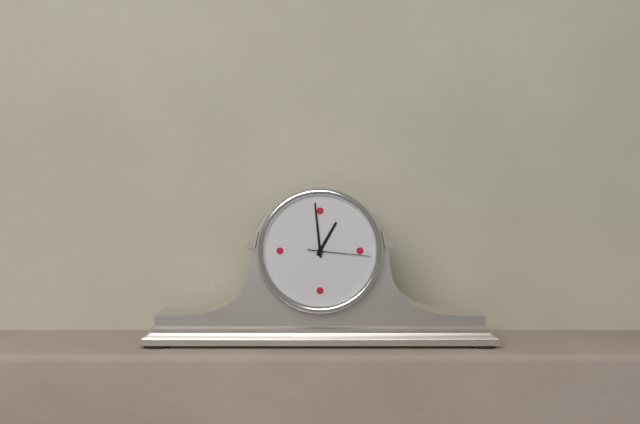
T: 12:59:16
